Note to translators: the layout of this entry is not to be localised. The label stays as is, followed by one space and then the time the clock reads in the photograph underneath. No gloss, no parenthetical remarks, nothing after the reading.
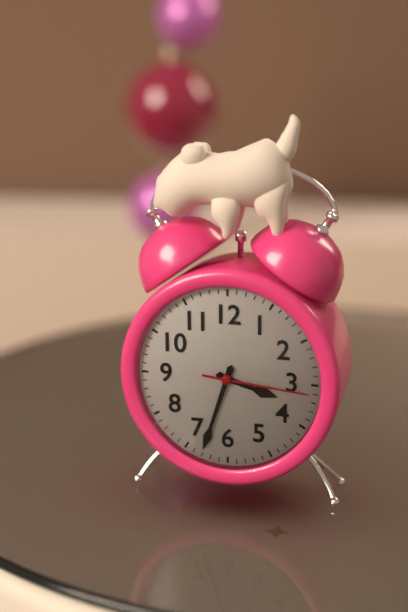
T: 3:33:16
